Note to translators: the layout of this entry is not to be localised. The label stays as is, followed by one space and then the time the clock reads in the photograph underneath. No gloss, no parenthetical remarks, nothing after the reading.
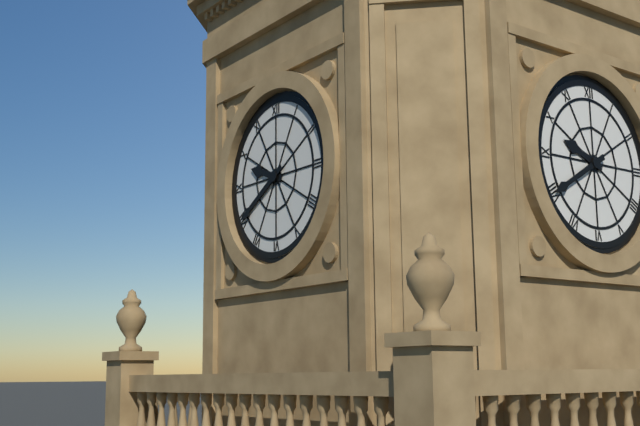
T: 9:40
